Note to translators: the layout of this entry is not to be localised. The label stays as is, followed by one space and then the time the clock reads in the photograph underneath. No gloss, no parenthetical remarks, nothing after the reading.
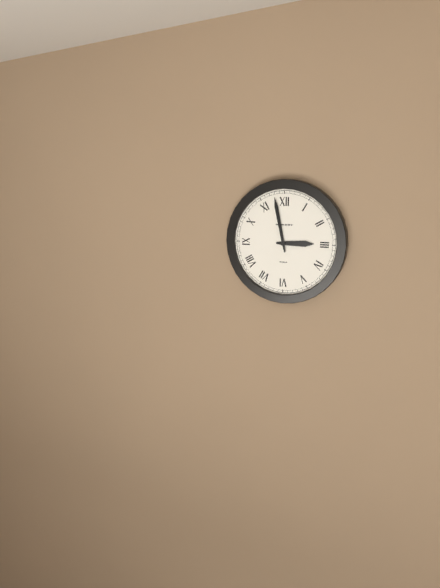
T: 2:58
